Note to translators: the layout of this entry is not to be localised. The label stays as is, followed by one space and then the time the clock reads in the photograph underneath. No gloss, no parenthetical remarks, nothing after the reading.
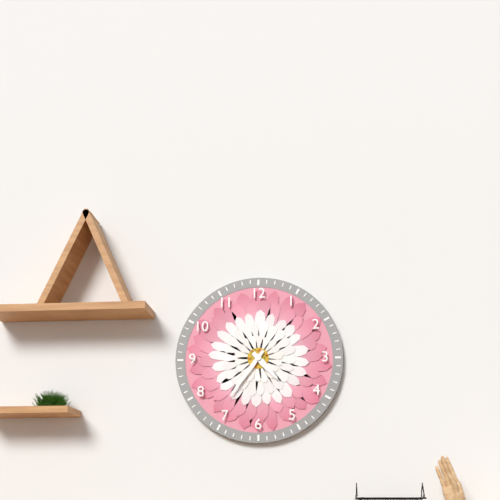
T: 4:36
